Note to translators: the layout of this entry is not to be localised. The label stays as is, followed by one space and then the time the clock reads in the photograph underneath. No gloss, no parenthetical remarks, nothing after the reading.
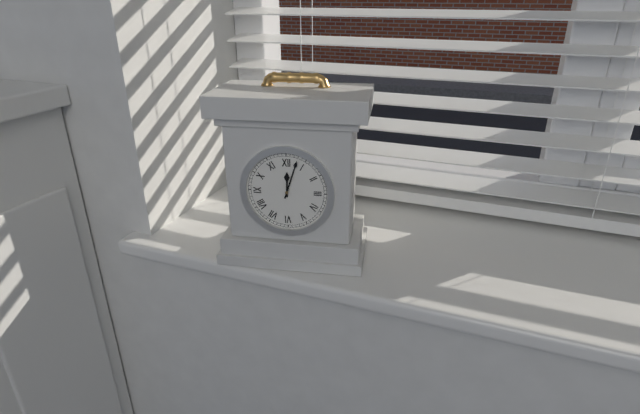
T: 12:03
